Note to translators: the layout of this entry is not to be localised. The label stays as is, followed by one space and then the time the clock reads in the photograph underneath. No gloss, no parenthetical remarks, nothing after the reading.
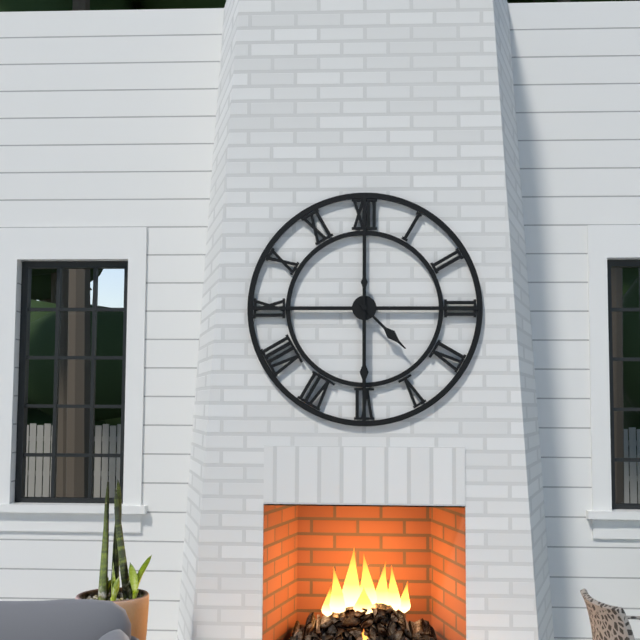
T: 4:30
